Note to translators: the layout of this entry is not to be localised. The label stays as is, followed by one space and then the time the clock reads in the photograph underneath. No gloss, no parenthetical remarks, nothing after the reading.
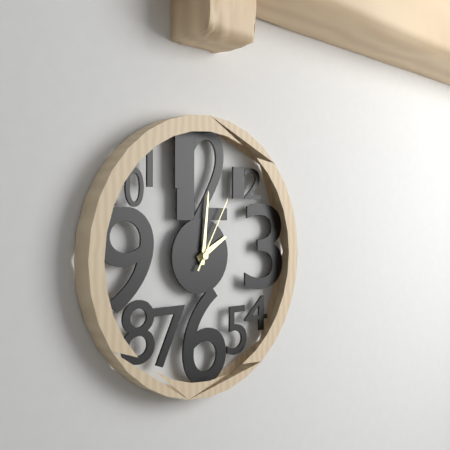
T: 2:01:05
